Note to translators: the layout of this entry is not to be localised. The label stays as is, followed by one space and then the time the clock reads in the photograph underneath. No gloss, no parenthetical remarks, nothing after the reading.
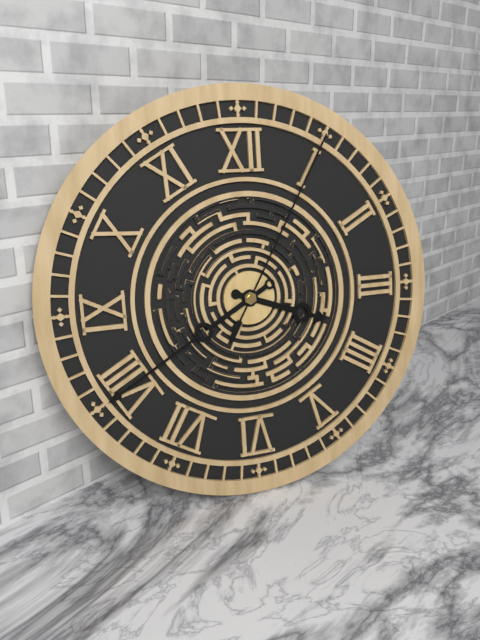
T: 3:40:05
